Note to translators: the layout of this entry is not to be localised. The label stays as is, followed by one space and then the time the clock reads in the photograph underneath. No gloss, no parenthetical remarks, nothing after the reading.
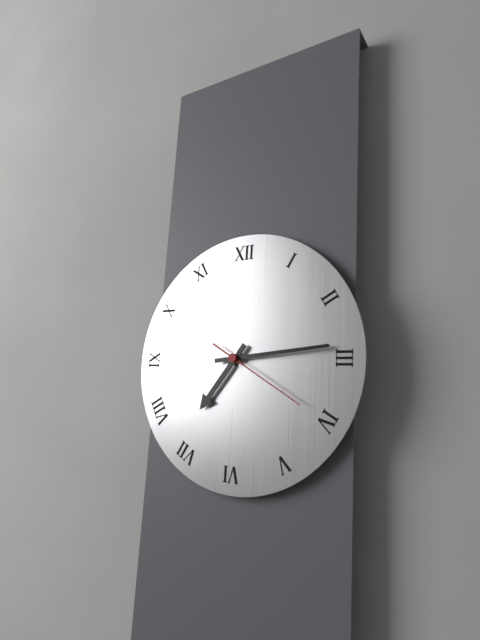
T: 7:14:20
